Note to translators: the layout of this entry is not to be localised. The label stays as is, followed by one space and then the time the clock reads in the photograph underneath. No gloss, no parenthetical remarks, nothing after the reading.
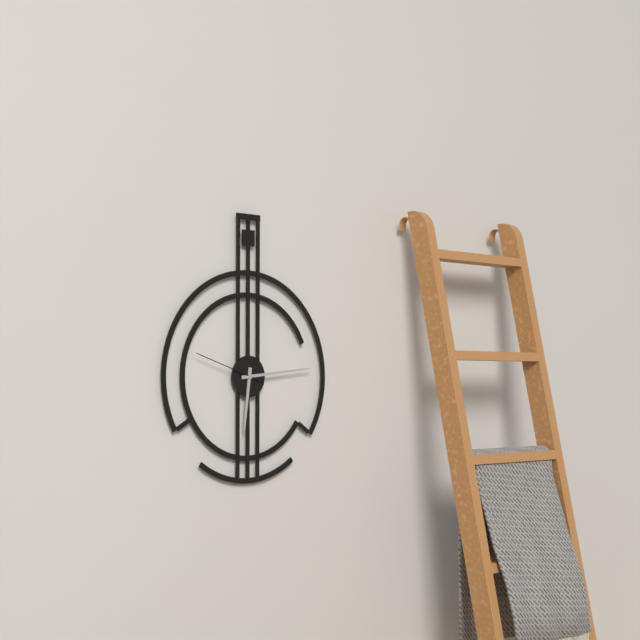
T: 6:14:48
